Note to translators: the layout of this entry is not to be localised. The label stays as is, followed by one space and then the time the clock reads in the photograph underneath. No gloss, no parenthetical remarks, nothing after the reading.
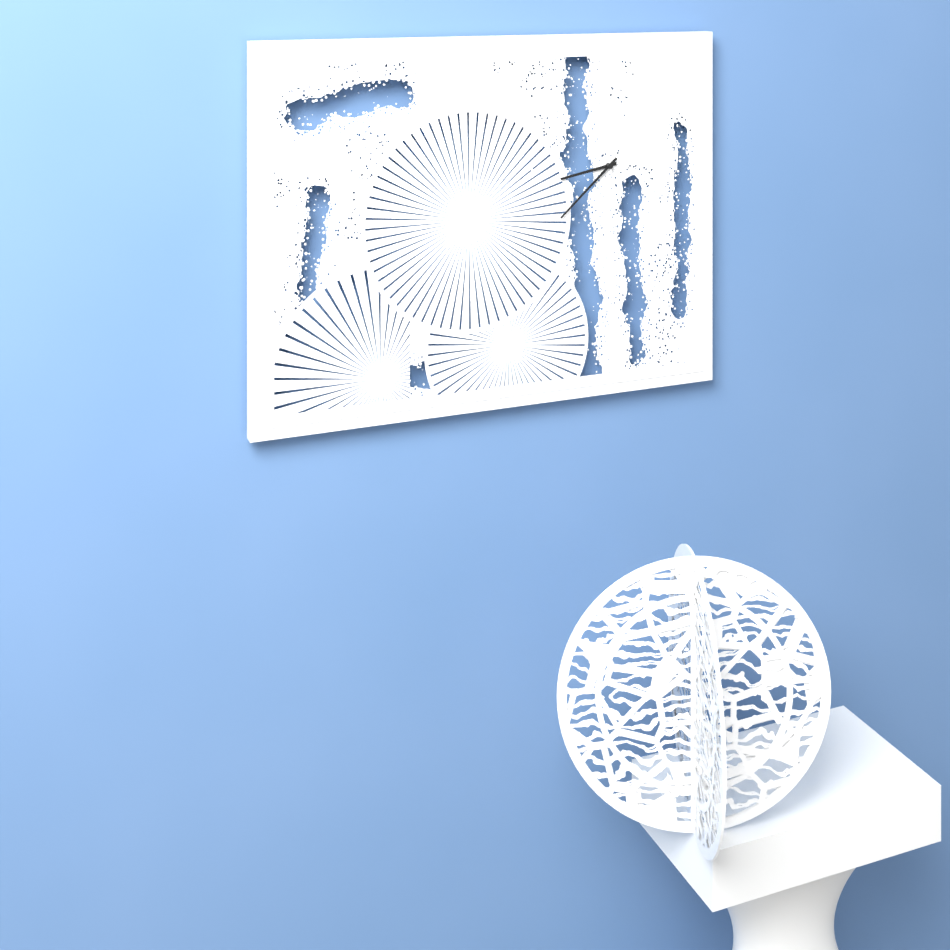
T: 8:38:58
